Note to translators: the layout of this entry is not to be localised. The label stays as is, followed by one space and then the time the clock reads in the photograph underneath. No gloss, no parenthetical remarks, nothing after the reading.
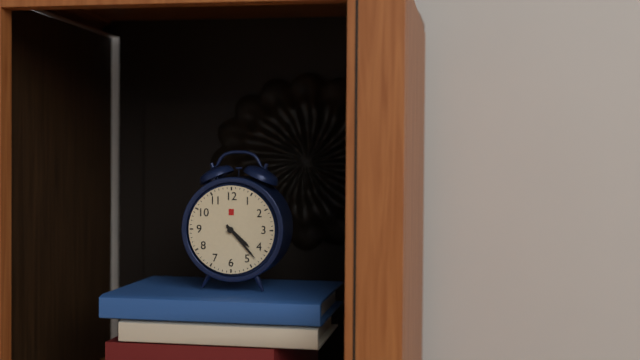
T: 4:23
